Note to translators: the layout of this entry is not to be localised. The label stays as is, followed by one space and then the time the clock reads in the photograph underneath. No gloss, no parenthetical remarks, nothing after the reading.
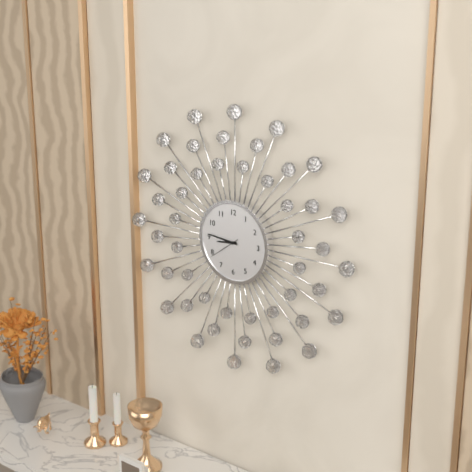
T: 8:46
